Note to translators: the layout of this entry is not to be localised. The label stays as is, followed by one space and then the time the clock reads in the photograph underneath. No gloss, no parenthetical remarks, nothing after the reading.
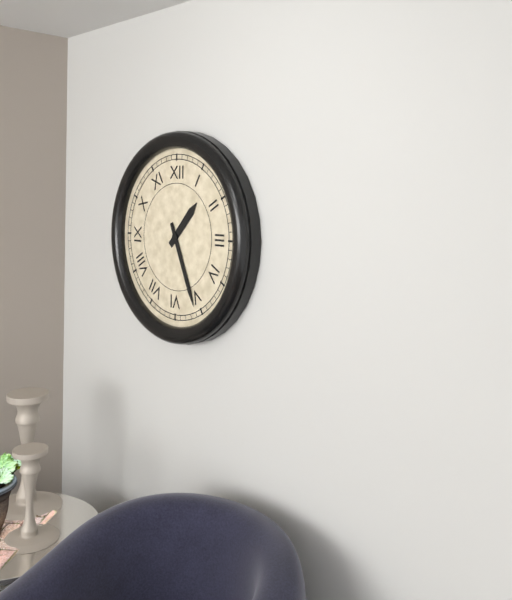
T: 1:26
